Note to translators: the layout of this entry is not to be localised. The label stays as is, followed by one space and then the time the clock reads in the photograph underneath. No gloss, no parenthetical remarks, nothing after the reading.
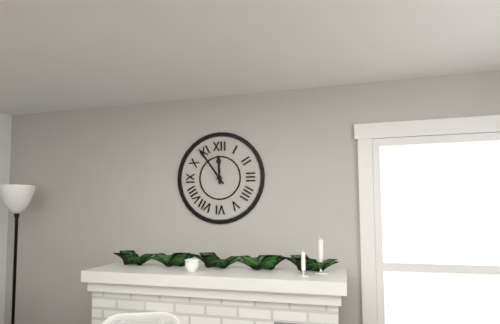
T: 11:54
